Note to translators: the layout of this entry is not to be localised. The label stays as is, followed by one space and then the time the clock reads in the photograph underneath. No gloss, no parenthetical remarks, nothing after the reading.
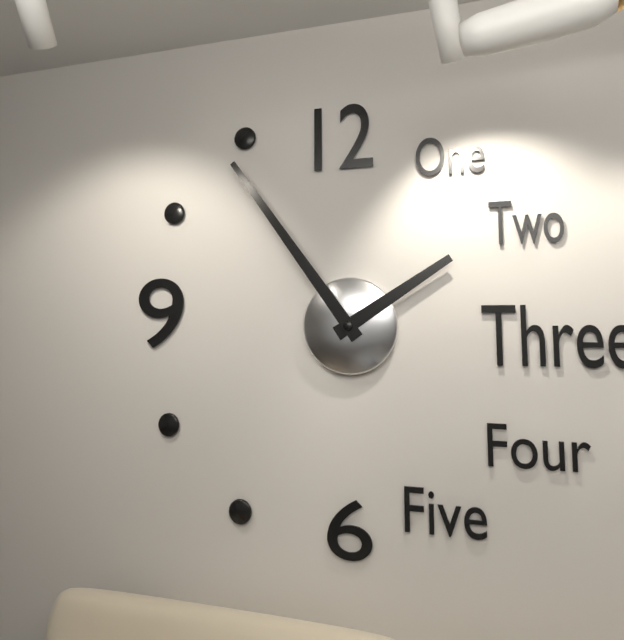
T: 1:54
